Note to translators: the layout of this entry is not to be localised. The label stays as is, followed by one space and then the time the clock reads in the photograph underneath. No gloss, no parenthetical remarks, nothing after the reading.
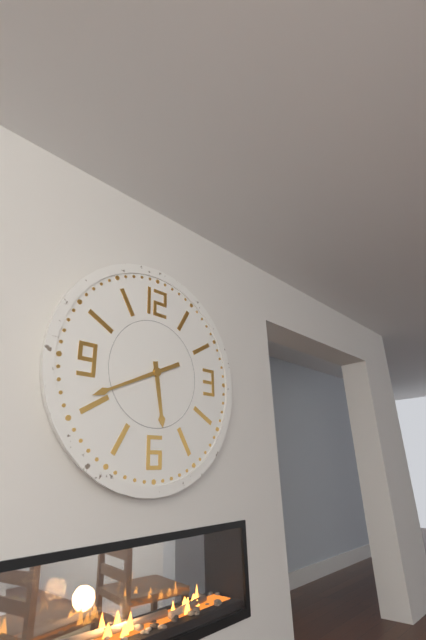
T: 5:41
